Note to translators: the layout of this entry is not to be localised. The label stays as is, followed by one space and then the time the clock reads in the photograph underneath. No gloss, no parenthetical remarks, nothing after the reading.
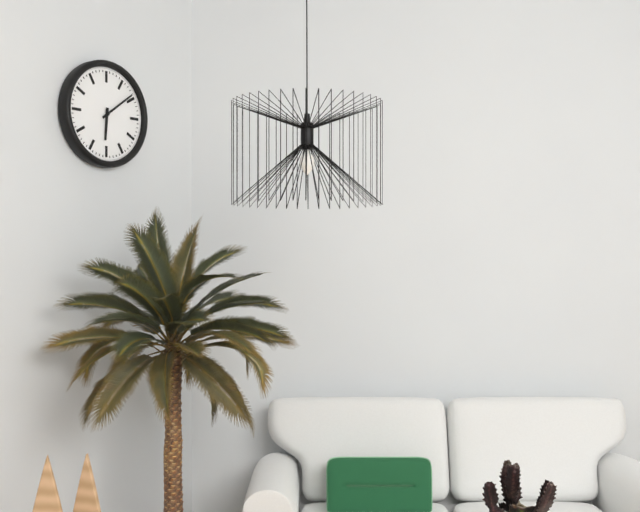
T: 6:09
